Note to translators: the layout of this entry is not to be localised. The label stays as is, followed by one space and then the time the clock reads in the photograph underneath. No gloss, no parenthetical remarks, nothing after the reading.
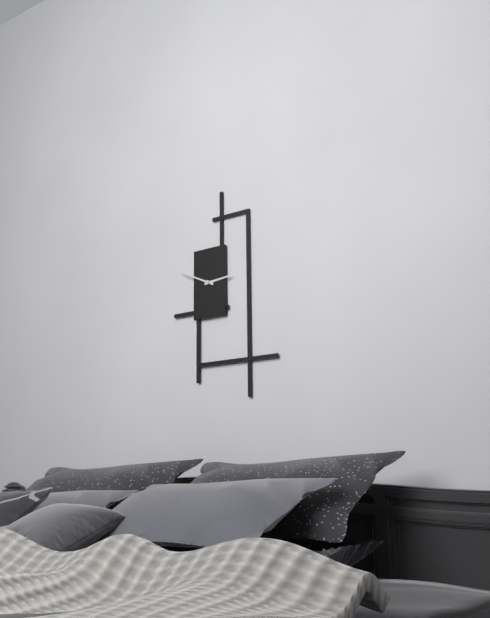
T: 2:49
